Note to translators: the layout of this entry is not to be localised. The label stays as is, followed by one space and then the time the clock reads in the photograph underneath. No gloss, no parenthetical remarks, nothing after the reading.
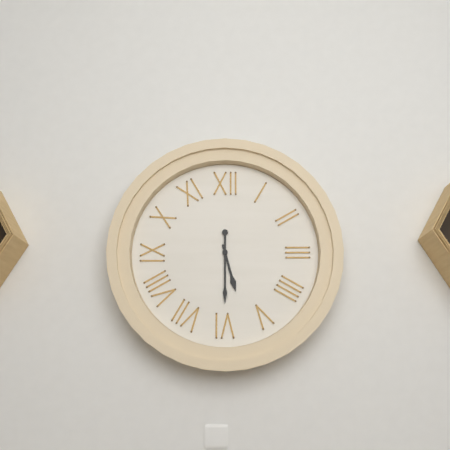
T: 5:30
